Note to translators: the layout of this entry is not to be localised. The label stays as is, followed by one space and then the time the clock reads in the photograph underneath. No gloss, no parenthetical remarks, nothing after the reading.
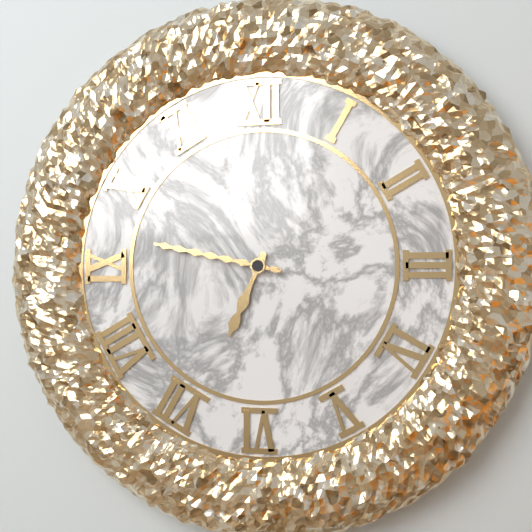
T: 6:47
